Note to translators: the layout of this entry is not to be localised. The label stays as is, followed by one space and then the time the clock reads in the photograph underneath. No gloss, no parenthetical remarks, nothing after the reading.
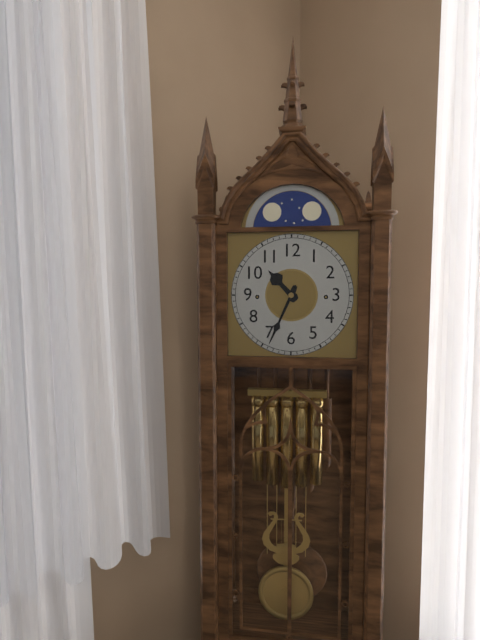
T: 10:34
